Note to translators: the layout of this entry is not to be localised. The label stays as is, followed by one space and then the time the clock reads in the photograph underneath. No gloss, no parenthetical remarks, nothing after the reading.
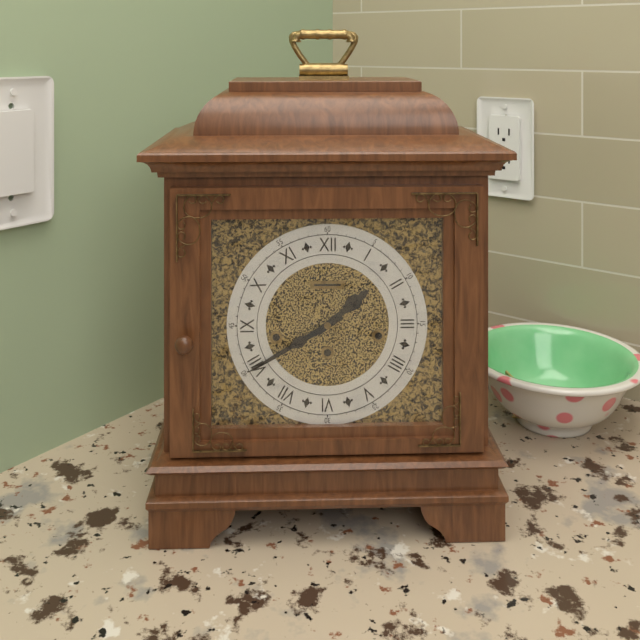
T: 1:40
